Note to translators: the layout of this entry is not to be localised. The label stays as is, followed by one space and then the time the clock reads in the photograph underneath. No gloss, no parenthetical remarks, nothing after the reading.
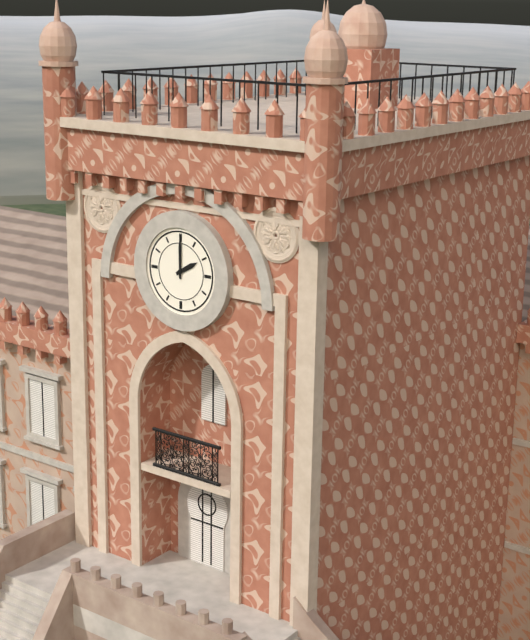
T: 2:00
